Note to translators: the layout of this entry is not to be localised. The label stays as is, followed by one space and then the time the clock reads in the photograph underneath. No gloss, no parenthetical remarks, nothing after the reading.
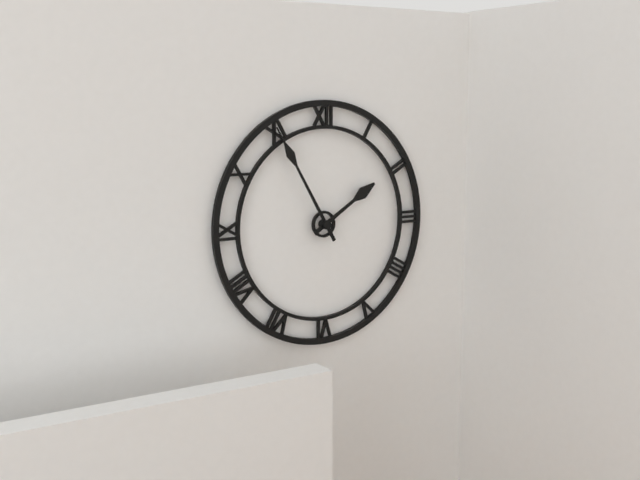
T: 1:55
